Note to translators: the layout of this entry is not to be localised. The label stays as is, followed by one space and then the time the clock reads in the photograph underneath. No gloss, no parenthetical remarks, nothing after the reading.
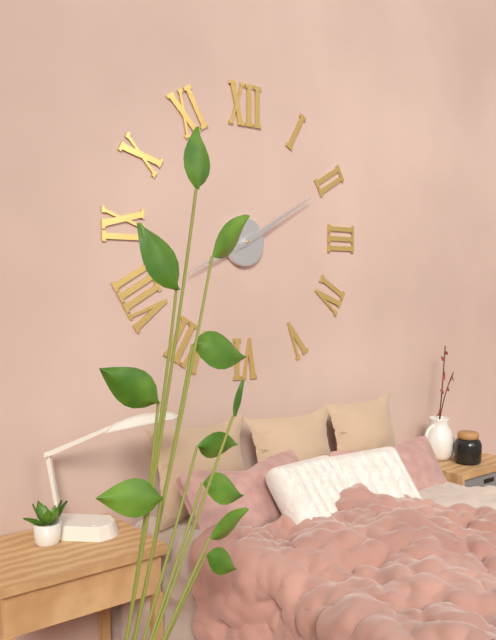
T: 8:10
